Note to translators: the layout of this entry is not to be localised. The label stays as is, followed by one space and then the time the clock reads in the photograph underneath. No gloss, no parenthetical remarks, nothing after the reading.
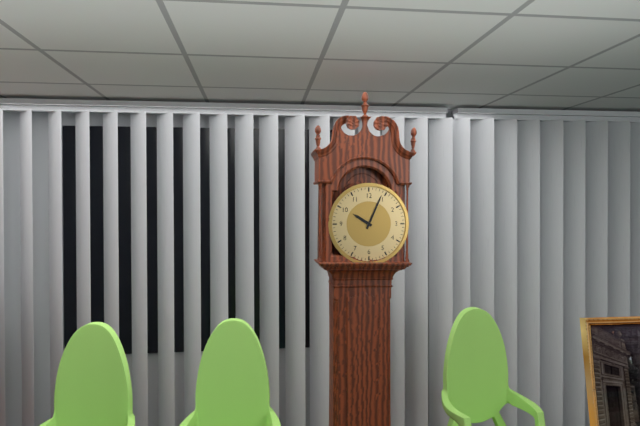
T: 10:04
